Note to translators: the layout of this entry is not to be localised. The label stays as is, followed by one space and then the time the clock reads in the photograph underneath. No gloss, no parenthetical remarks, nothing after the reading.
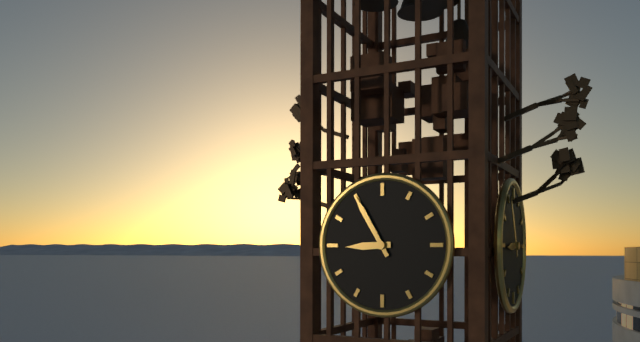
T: 8:55
